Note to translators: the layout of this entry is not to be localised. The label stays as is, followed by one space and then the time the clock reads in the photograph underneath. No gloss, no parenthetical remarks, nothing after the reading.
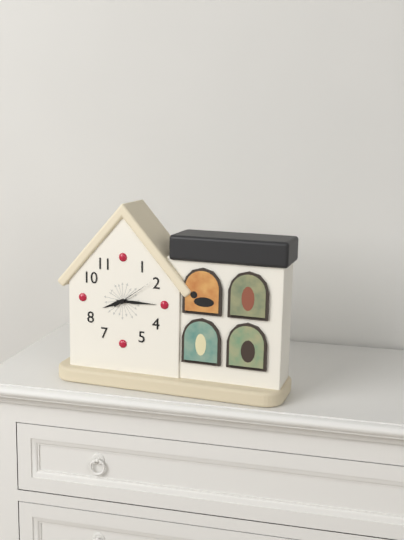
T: 8:15
